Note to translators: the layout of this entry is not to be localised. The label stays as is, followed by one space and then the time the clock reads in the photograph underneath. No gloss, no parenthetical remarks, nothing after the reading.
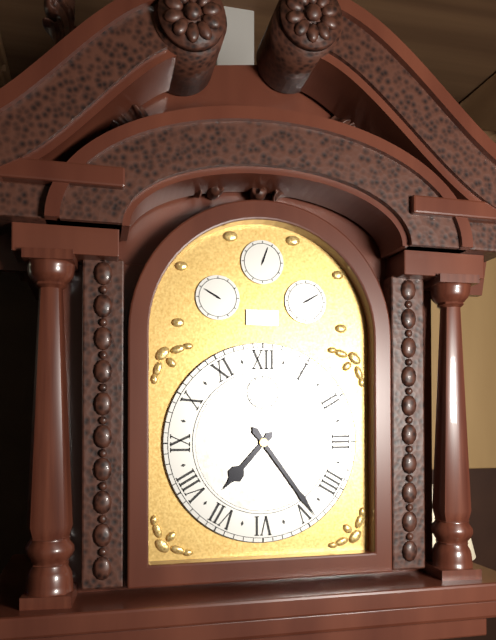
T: 7:24
